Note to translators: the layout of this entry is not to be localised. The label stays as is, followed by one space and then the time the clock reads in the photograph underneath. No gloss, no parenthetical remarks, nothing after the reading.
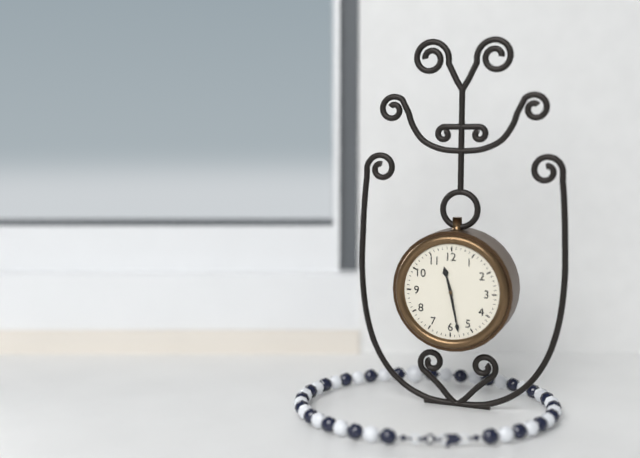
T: 11:28
